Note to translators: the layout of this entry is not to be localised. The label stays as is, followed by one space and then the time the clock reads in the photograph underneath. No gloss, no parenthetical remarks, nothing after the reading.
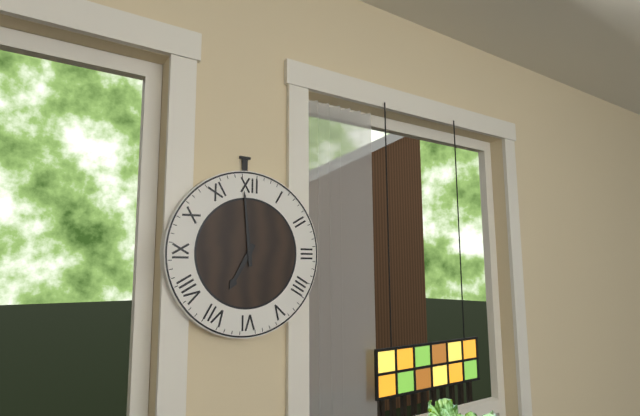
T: 6:59
